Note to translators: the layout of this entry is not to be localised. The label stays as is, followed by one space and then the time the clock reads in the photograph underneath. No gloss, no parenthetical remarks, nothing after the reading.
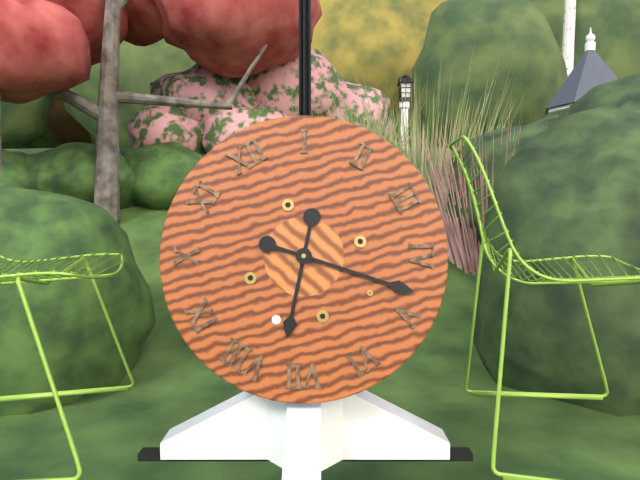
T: 7:23
